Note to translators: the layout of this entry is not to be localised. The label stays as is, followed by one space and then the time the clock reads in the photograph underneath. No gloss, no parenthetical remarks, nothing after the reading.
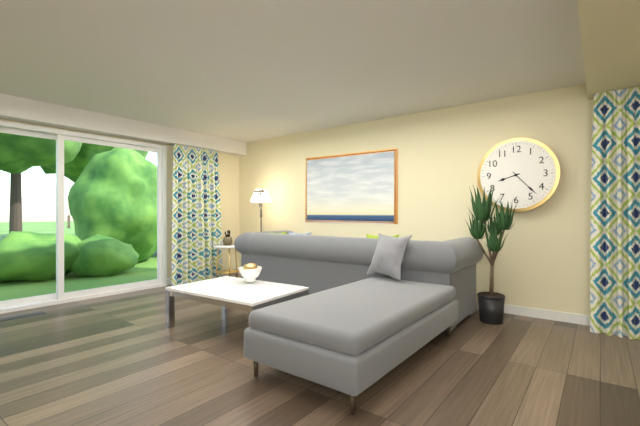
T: 8:23
